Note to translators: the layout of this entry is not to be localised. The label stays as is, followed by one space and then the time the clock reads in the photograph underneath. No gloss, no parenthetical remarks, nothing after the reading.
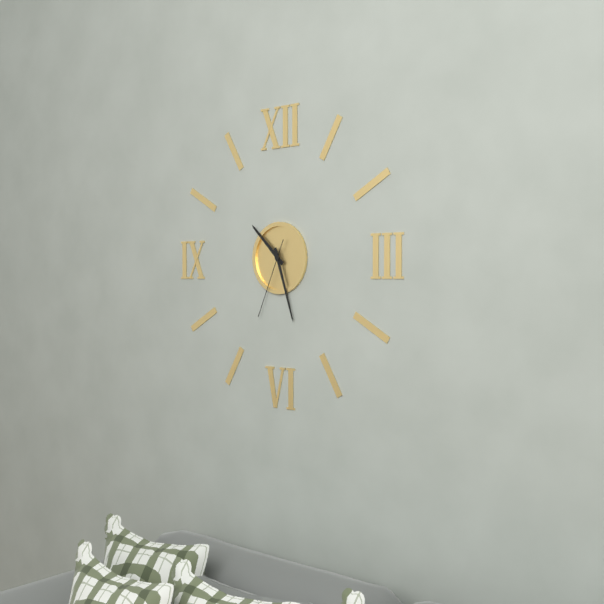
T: 10:27:34
